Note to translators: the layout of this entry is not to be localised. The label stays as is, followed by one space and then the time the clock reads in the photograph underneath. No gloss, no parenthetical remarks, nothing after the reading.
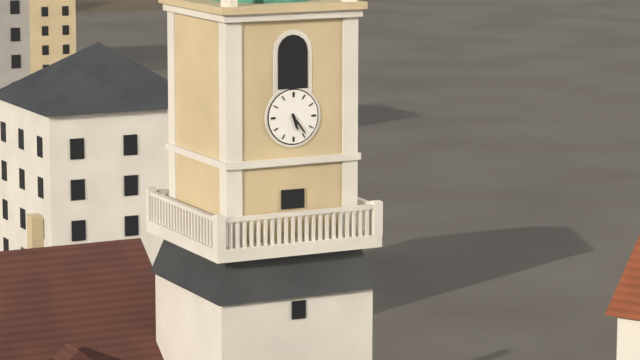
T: 5:24
